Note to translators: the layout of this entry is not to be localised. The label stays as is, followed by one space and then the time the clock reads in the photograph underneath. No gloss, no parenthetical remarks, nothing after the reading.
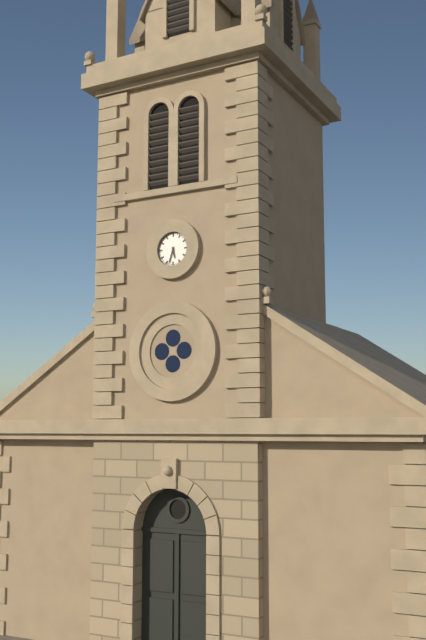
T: 5:33
